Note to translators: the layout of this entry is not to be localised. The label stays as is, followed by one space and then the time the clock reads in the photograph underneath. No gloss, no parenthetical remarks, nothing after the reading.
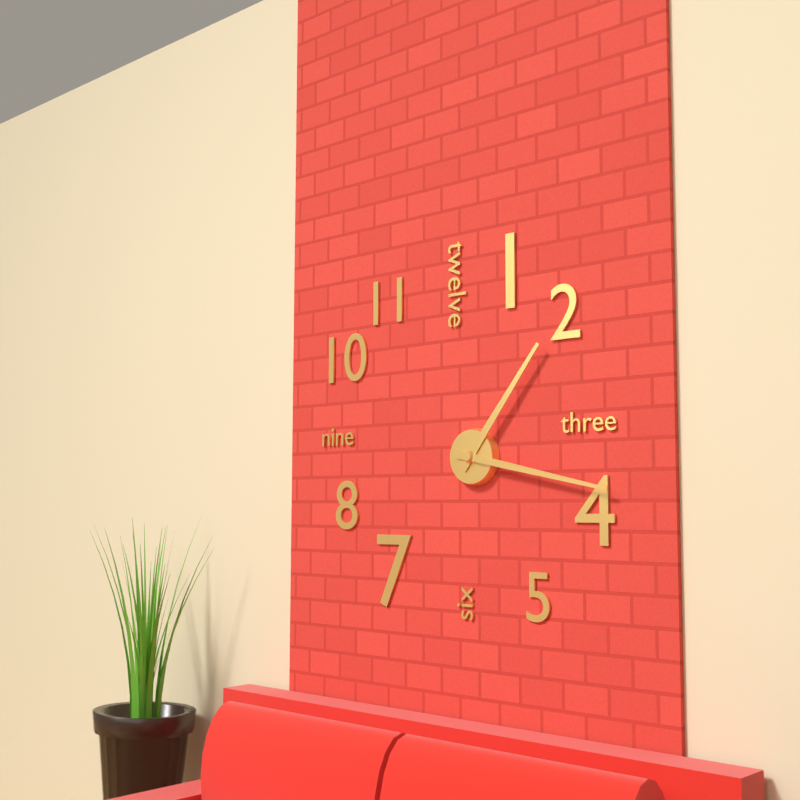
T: 1:17
